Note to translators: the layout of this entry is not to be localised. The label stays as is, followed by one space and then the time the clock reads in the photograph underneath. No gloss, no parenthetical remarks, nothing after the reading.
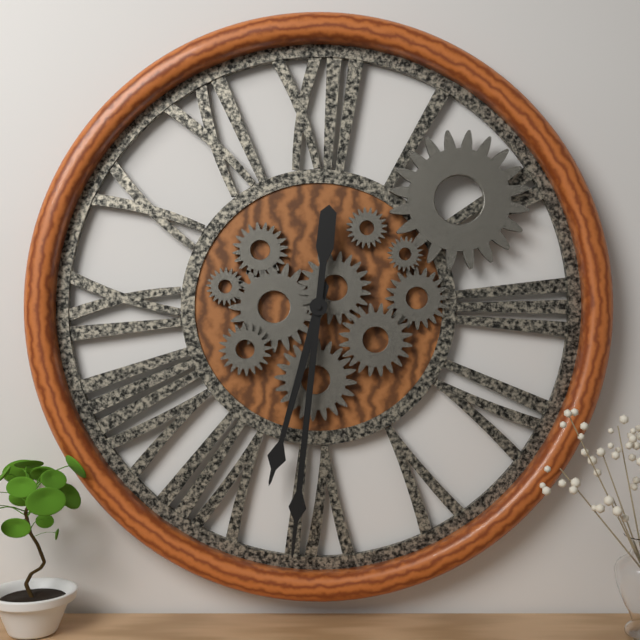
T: 6:31
